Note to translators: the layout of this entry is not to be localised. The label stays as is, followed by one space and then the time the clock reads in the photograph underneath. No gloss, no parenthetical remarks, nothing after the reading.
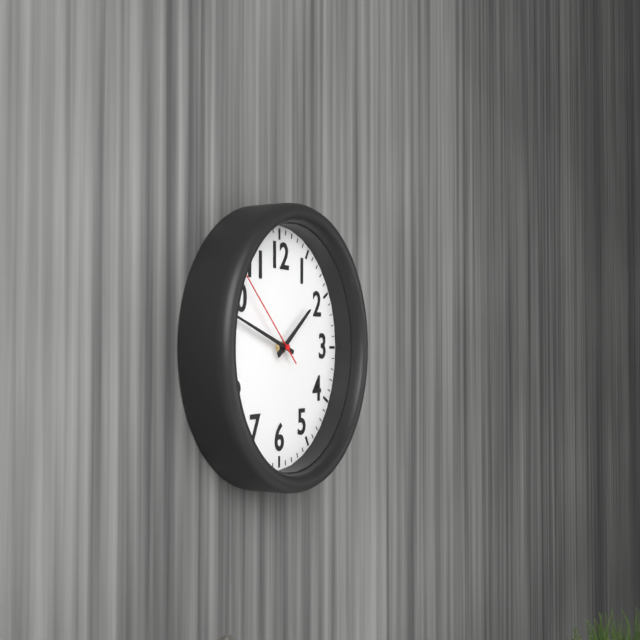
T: 1:48:52
